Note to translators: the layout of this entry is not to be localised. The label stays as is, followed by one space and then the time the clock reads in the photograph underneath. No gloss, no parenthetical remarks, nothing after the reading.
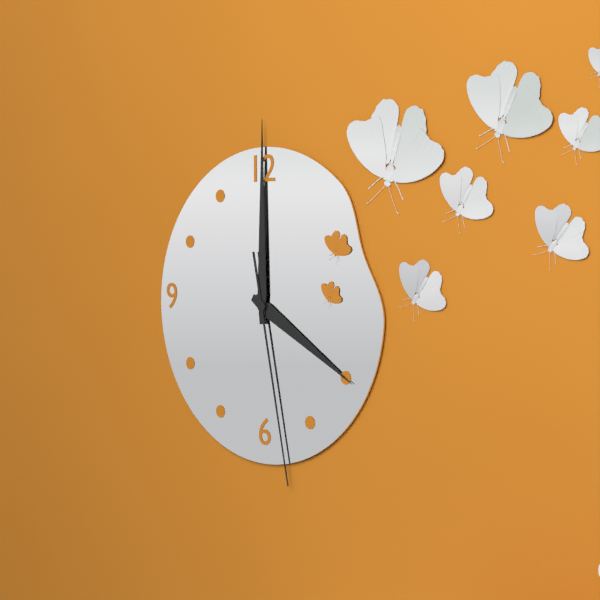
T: 4:00:28
